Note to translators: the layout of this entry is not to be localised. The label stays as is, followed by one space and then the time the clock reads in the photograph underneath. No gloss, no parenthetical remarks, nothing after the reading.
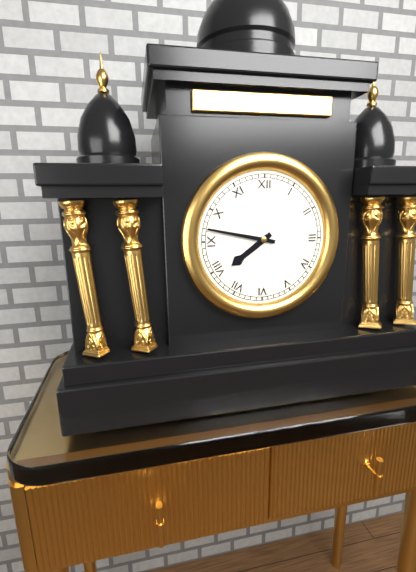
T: 7:47
